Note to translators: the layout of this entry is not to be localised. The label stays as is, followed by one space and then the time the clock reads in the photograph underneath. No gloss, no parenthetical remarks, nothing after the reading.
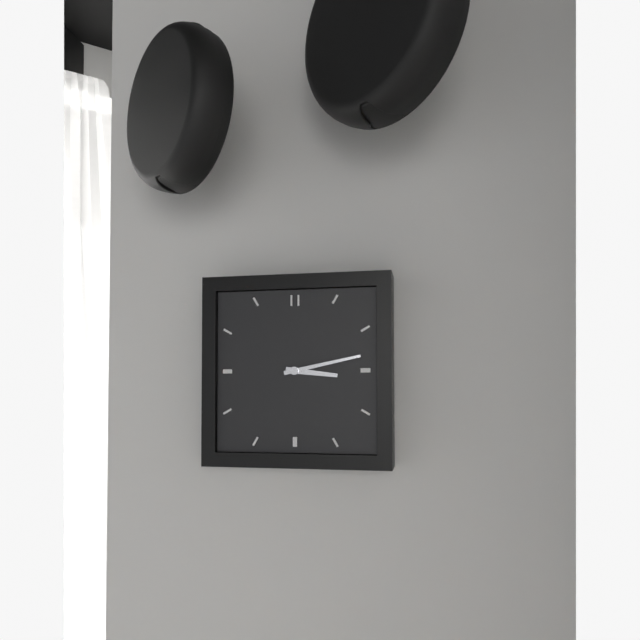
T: 3:13
